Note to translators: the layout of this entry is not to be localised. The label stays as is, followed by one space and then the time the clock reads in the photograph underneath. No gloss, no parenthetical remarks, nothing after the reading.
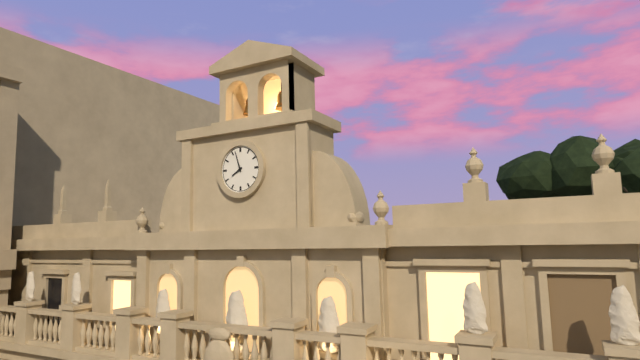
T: 7:57
